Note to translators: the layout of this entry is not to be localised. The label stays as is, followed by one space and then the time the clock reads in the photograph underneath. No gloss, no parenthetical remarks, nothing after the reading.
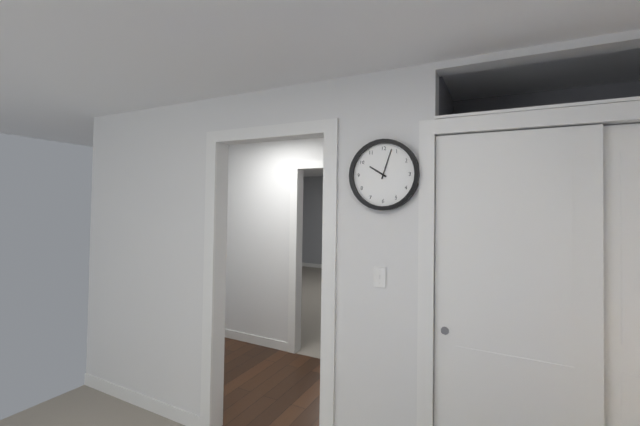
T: 10:03
